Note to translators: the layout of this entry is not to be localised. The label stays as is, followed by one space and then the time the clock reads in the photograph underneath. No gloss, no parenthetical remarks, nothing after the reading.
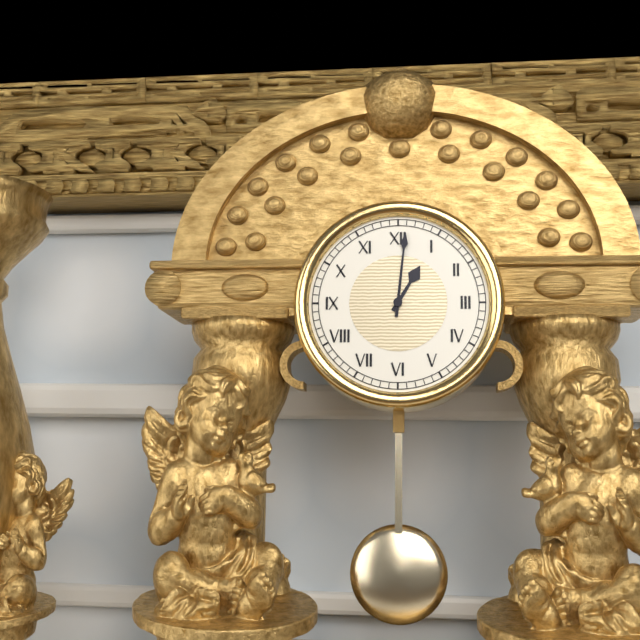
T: 1:01
